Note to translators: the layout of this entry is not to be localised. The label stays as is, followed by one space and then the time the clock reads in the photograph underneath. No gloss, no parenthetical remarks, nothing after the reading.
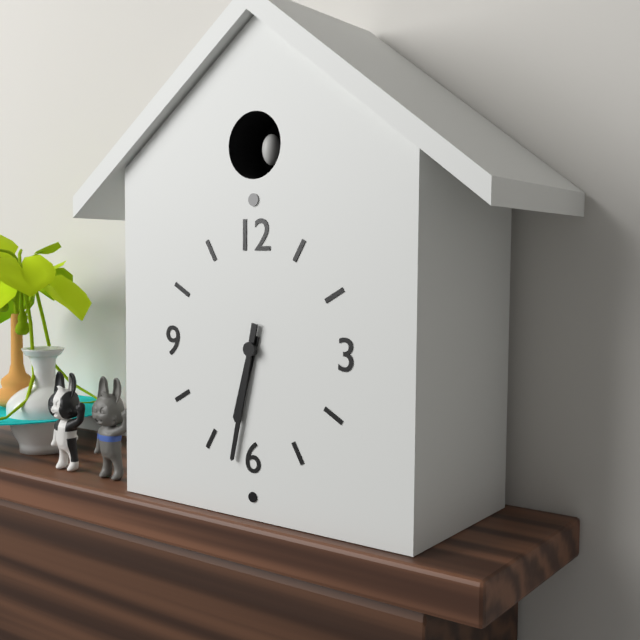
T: 6:32
